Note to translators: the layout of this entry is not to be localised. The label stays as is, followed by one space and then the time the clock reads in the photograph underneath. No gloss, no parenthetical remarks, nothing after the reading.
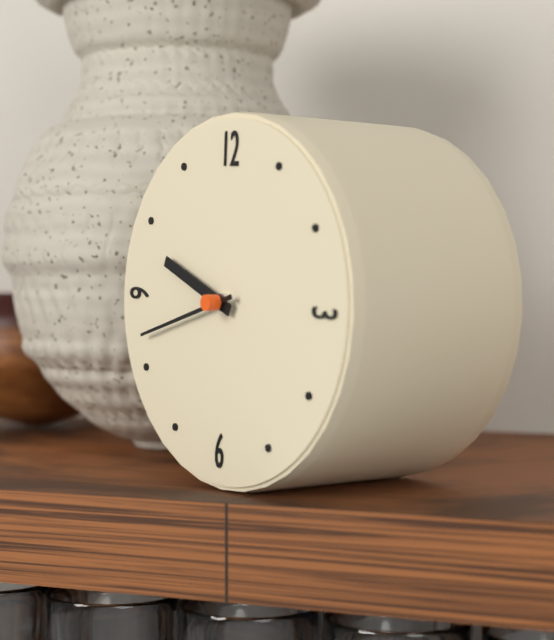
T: 9:42
